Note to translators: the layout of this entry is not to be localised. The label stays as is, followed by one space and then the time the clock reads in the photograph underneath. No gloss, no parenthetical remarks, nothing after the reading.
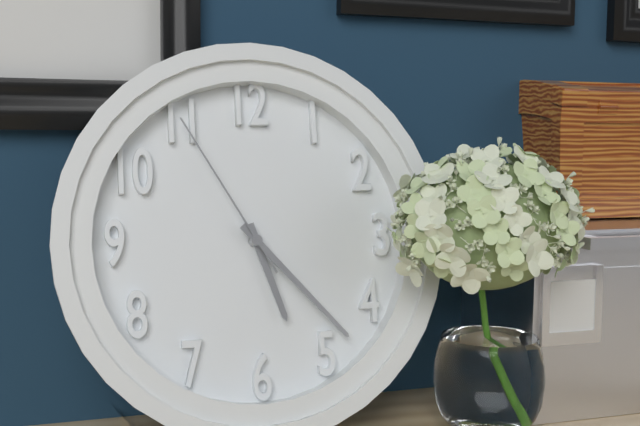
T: 5:23:55
